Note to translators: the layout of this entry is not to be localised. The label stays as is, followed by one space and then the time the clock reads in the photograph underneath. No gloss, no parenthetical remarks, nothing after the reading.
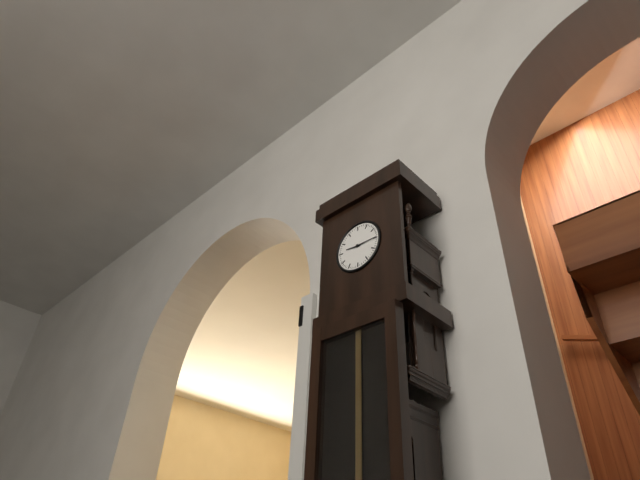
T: 9:15
